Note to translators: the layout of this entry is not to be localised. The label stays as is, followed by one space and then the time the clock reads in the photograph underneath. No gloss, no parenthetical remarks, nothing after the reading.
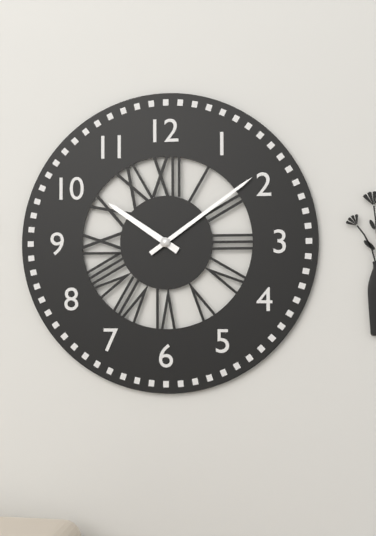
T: 10:09
